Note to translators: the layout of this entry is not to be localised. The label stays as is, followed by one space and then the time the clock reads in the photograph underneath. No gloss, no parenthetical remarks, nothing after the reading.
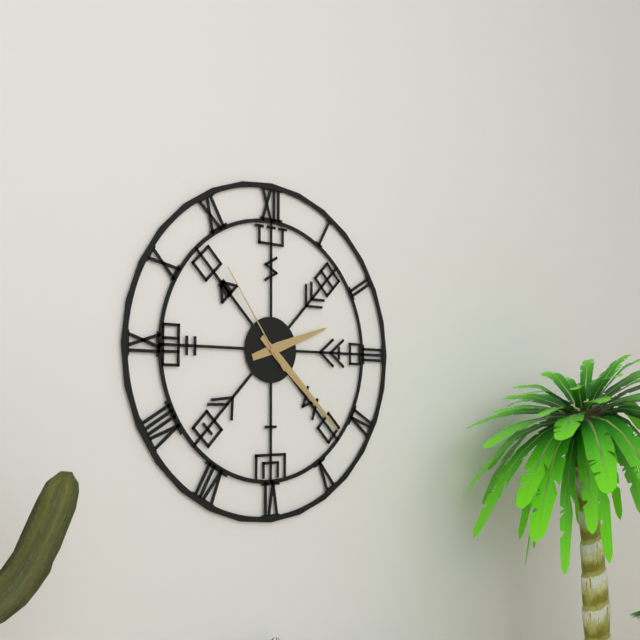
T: 2:22:54
